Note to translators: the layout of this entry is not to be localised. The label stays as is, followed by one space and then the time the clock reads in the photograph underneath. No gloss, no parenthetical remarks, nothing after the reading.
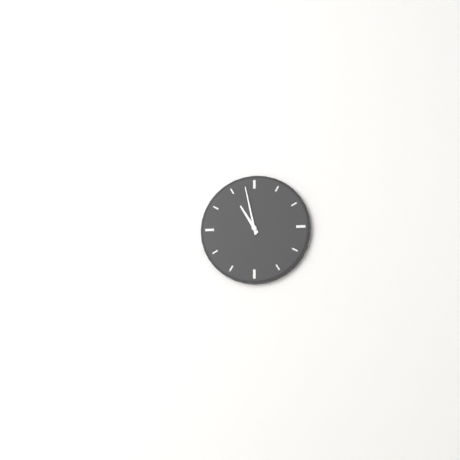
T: 10:58
